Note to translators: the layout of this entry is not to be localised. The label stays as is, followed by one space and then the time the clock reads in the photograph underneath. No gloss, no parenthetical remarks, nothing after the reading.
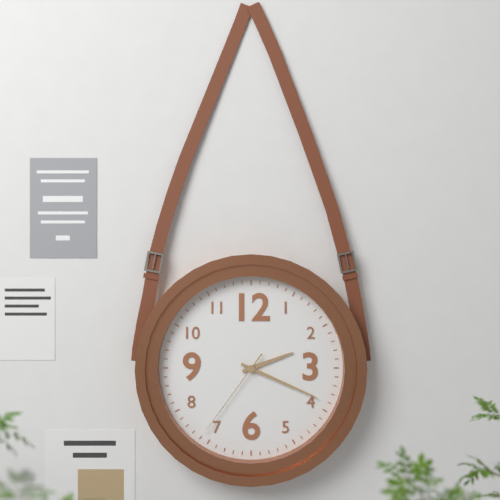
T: 2:19:36
